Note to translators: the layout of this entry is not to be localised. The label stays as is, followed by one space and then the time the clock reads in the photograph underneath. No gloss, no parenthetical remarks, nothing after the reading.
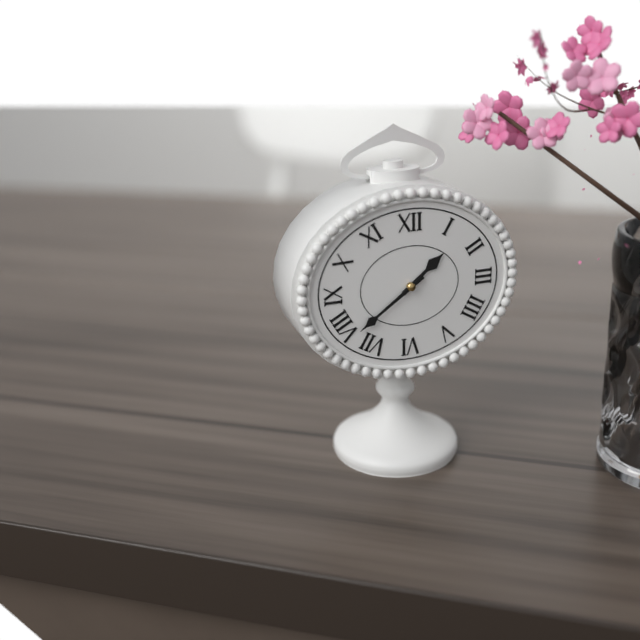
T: 1:39
